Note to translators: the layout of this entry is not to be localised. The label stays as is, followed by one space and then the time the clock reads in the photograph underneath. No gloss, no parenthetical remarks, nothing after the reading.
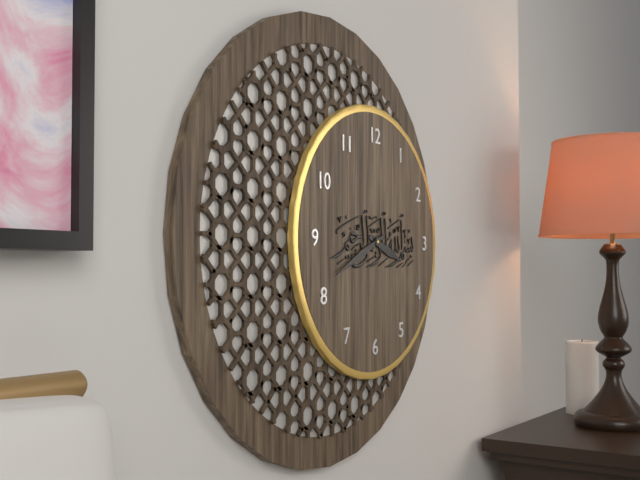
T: 3:41
